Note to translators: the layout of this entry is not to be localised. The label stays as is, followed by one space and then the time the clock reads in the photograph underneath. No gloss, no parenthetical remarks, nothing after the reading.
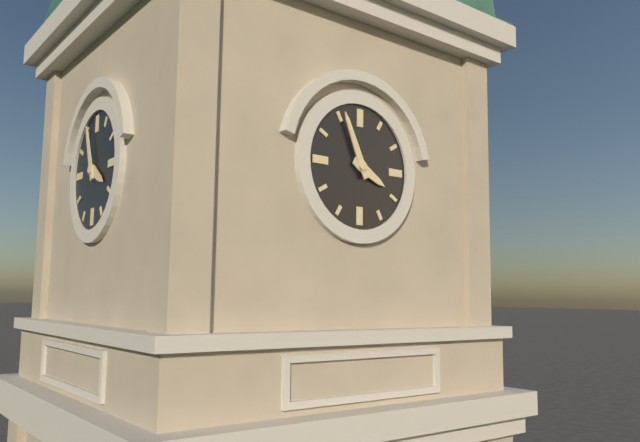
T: 3:56
